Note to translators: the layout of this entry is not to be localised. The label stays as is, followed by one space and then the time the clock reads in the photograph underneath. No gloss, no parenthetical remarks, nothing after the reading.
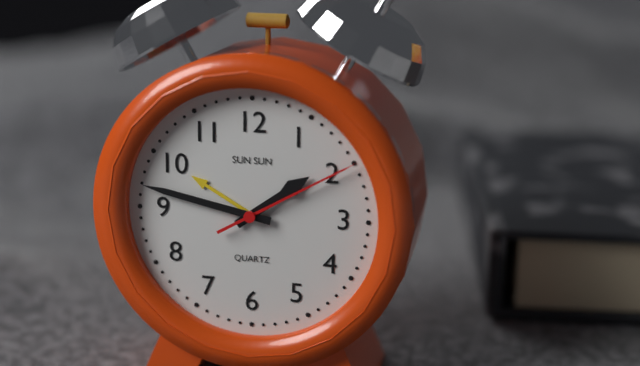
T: 1:47:10
